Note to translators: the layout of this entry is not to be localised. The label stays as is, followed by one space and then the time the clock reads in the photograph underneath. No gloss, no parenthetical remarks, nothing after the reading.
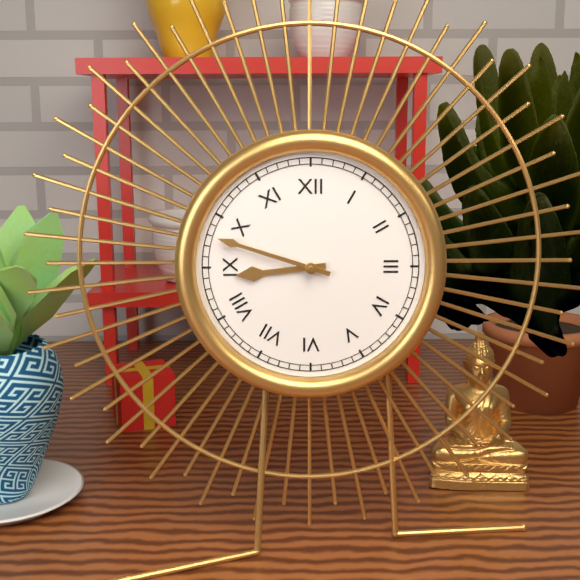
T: 8:48
